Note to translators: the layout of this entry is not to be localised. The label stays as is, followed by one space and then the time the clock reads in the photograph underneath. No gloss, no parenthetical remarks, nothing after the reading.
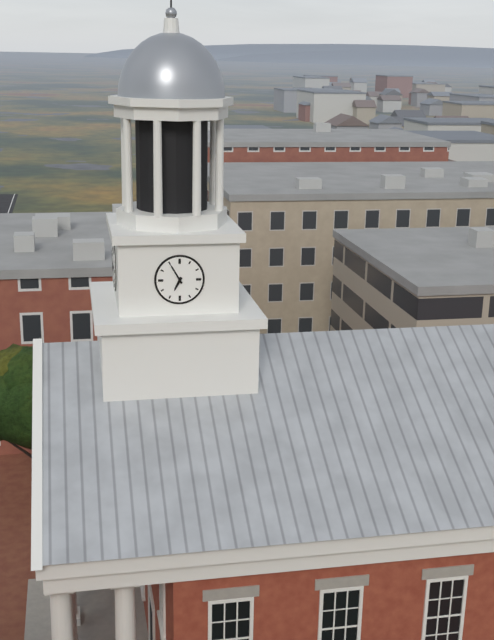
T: 6:55
